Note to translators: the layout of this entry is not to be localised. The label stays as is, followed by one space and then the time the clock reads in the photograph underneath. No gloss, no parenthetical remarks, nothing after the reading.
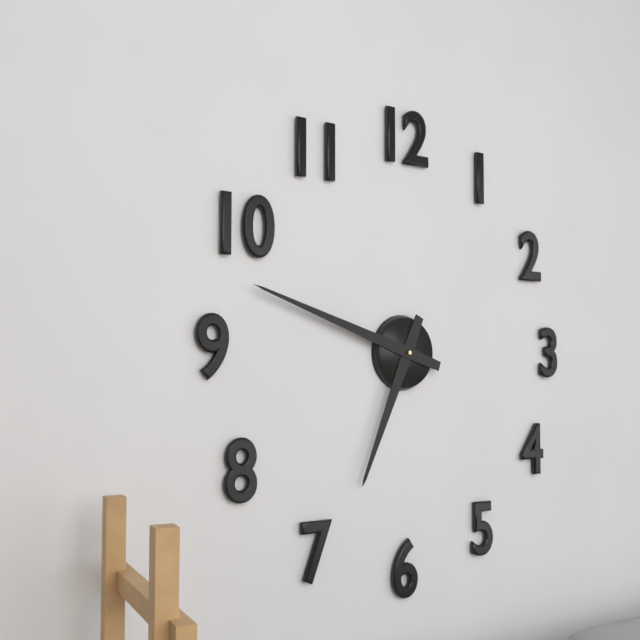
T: 6:48
